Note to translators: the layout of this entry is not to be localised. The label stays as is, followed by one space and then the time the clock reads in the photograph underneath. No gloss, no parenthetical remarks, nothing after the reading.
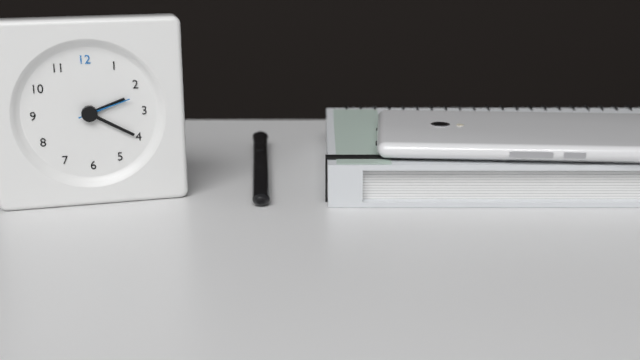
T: 2:20:12
